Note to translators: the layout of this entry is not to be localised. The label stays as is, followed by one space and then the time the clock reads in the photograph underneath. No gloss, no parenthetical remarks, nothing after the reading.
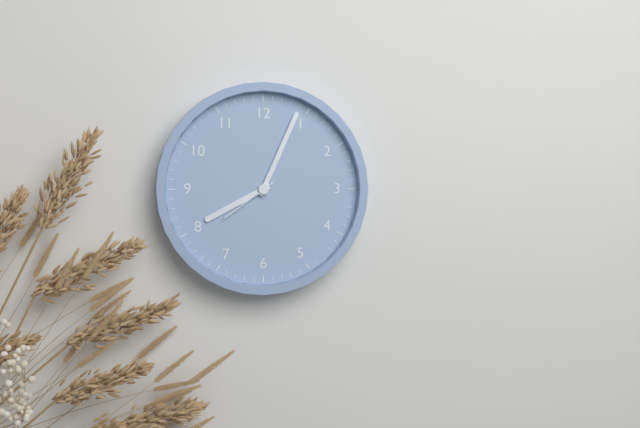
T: 8:04:39
